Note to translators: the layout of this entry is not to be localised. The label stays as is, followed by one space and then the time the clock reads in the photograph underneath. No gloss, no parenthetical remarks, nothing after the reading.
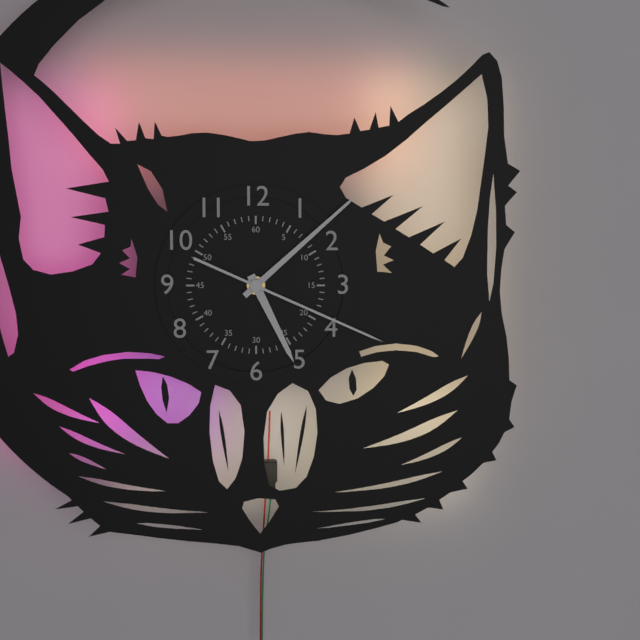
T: 5:08:19
